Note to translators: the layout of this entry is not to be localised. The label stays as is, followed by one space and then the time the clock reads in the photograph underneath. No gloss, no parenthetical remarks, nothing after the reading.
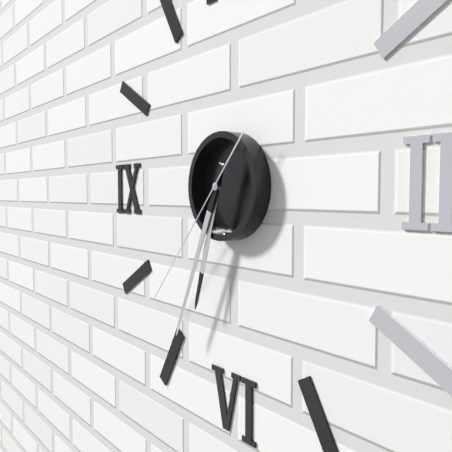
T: 6:34:37
